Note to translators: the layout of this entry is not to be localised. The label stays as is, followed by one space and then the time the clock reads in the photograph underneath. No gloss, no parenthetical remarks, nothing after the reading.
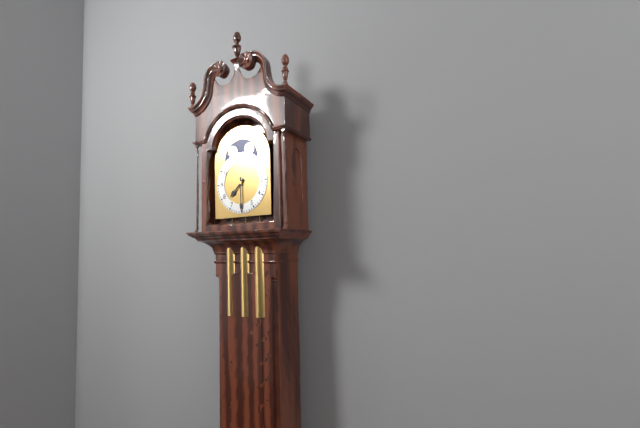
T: 7:30
